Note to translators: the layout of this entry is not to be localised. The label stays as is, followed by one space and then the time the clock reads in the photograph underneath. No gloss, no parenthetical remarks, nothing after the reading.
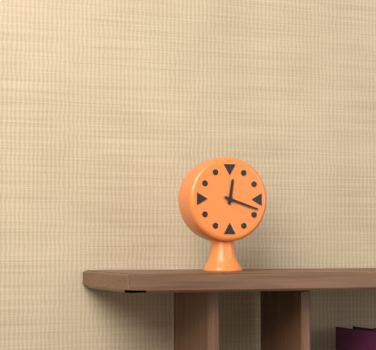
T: 12:18
